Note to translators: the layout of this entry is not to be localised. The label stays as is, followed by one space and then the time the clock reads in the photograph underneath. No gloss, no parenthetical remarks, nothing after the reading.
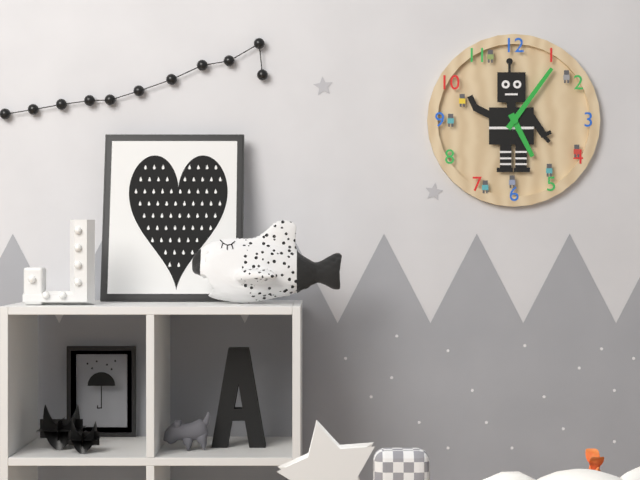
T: 5:06
